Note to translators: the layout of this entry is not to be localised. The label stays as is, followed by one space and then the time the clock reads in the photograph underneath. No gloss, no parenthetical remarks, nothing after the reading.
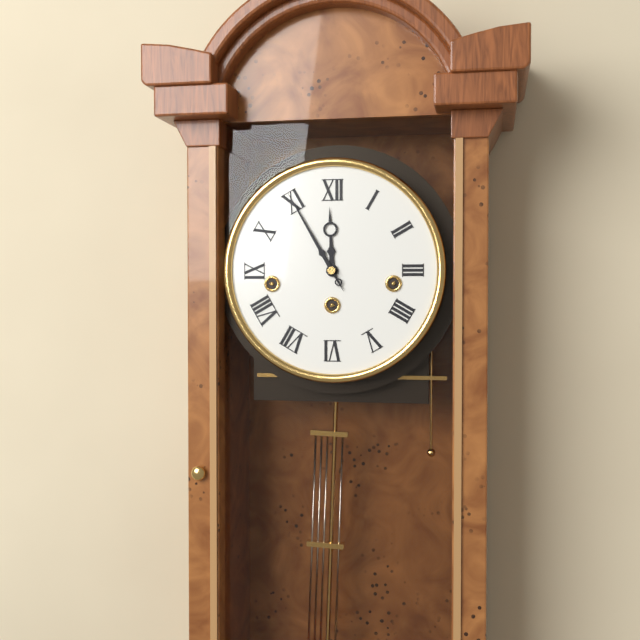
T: 11:55
